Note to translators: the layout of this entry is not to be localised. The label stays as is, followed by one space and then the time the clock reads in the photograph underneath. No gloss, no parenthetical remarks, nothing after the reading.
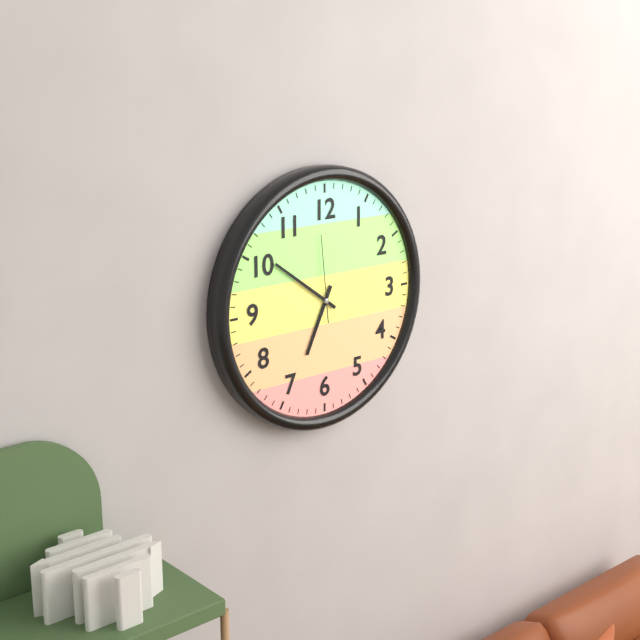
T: 6:51:59
